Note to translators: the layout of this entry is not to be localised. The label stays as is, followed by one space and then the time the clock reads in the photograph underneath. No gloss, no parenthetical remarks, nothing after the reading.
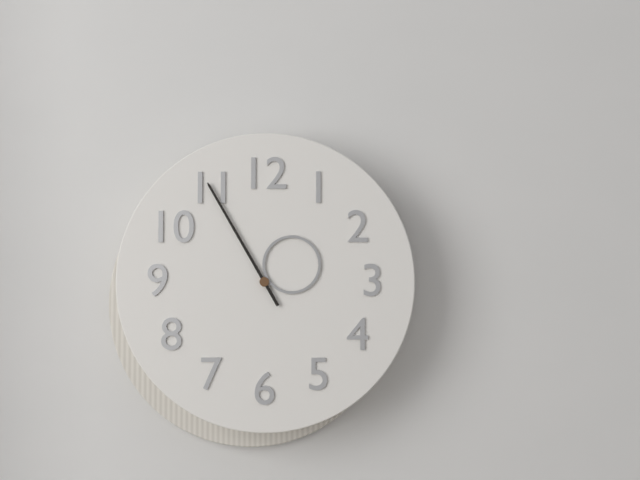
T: 1:55
